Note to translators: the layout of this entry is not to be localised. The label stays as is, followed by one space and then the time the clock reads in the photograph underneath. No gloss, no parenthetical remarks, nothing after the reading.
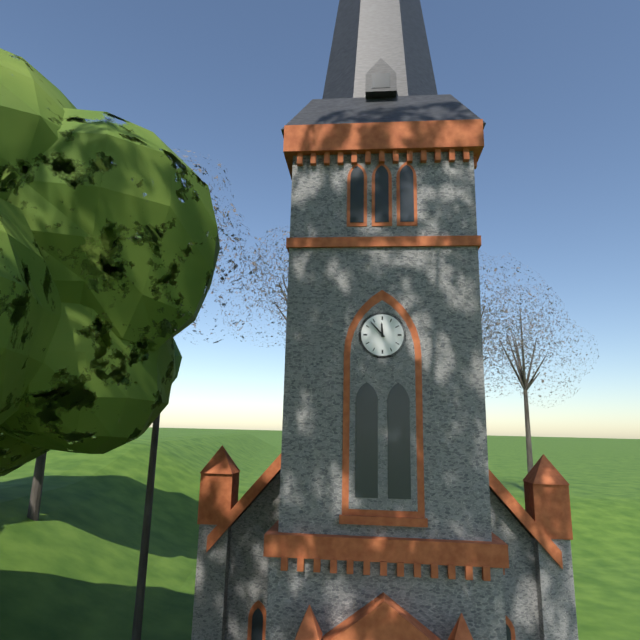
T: 11:53
